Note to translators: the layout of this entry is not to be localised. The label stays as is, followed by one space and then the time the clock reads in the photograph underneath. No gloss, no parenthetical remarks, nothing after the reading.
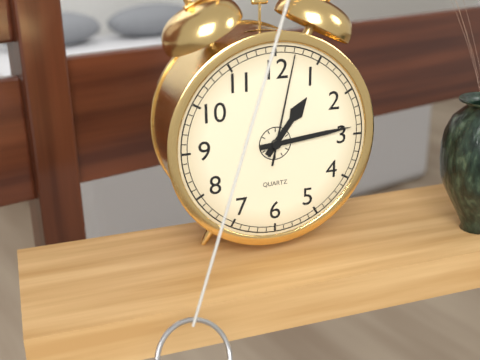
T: 1:14:02
